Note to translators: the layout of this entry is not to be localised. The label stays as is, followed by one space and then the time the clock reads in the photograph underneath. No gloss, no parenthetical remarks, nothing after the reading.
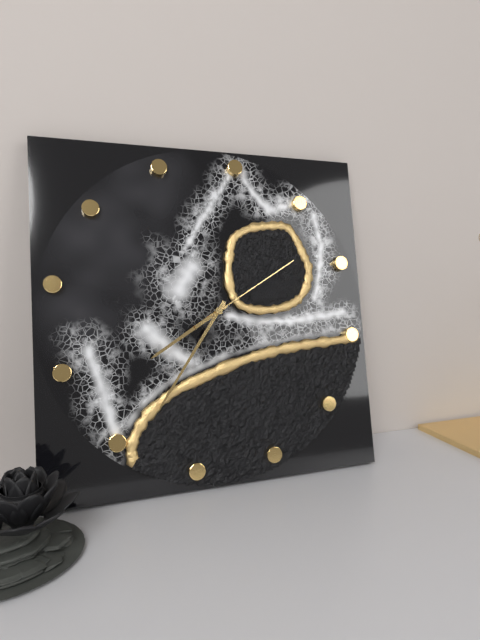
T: 7:34:08
